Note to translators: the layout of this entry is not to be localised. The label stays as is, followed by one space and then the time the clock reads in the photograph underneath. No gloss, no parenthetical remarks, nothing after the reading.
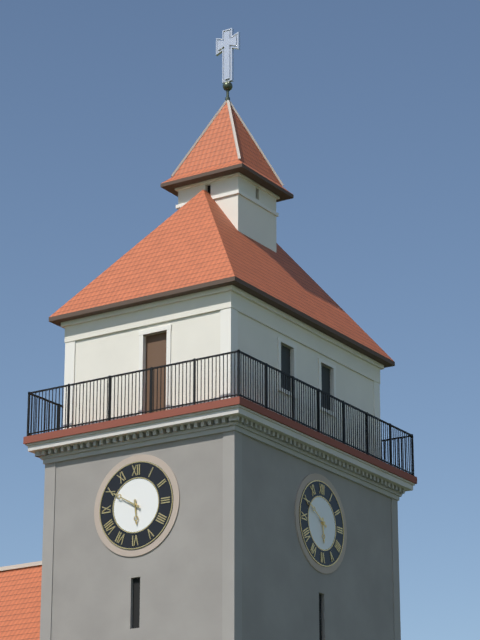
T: 5:50
